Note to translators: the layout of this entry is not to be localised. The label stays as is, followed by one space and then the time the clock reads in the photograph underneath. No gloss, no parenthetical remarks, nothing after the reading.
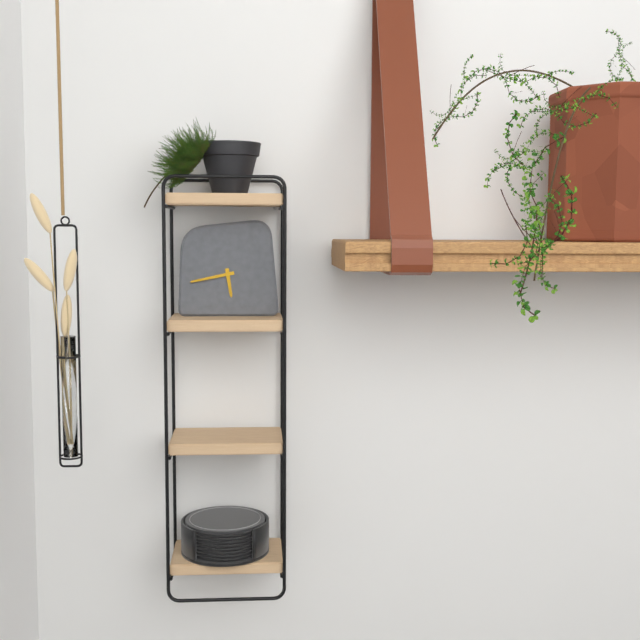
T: 5:43
